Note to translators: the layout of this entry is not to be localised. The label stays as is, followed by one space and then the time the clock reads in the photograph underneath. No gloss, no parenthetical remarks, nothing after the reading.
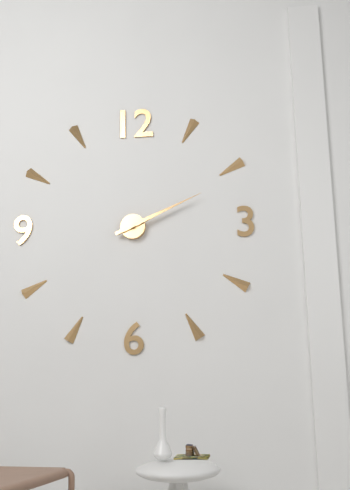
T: 2:11
